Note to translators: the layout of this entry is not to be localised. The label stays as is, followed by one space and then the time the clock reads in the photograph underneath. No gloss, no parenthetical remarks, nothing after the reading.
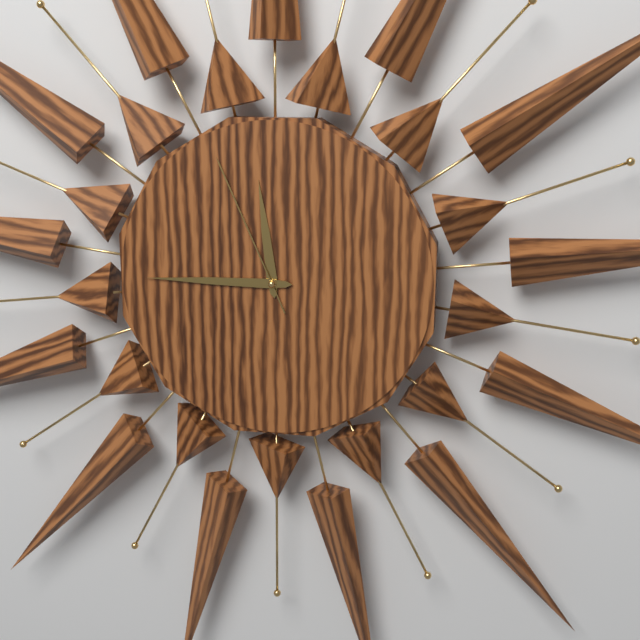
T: 11:45:56
